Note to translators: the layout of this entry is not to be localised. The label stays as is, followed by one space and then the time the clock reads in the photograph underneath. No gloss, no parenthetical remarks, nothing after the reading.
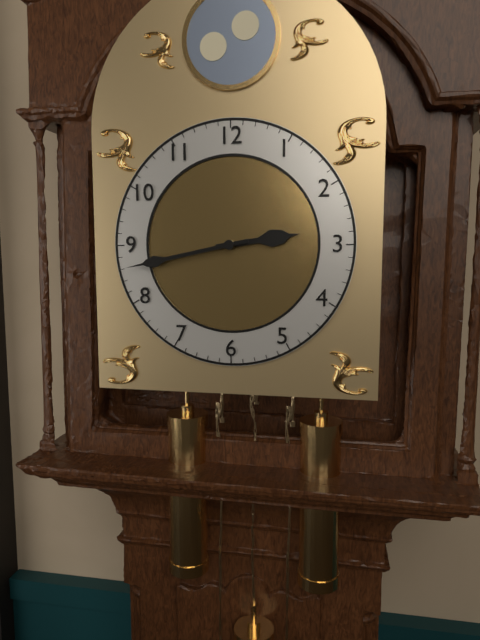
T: 2:43
